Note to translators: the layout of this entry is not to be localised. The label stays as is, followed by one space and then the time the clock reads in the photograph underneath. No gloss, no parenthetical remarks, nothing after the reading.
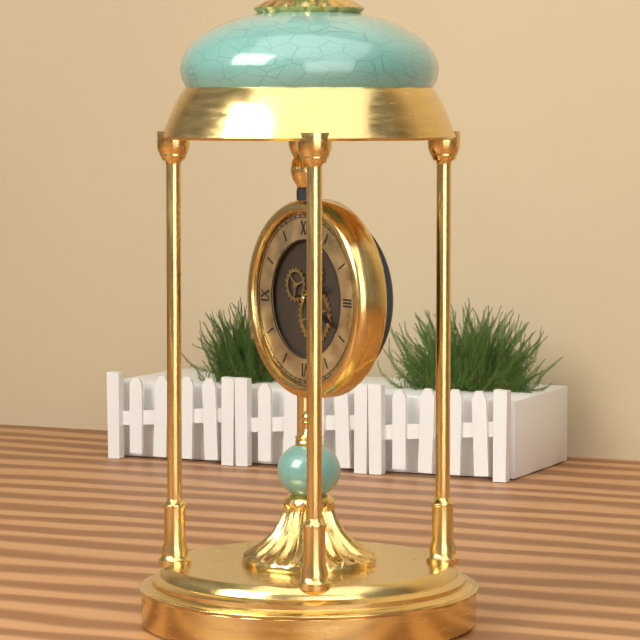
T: 2:19
